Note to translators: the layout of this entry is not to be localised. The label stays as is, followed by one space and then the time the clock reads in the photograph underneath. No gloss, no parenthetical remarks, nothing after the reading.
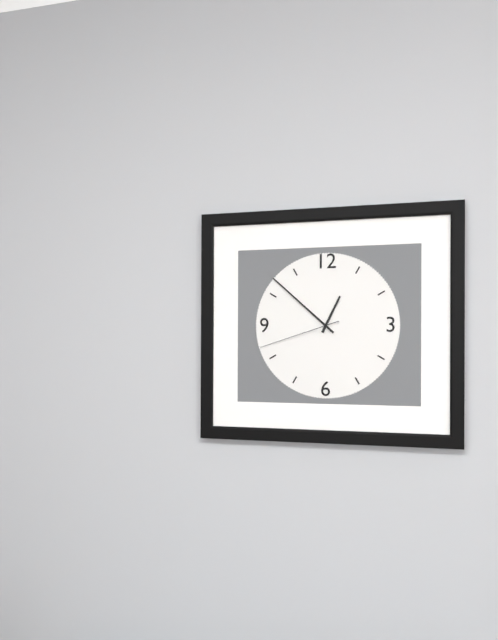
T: 12:52:42
